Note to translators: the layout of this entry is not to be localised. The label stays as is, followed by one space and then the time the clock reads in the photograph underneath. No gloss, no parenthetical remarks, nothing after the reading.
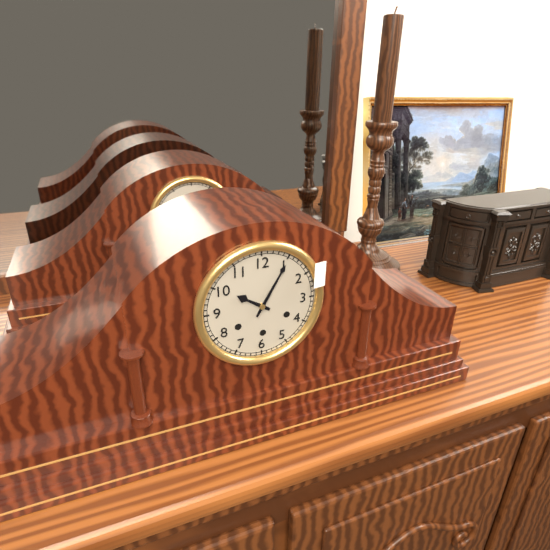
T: 10:05
